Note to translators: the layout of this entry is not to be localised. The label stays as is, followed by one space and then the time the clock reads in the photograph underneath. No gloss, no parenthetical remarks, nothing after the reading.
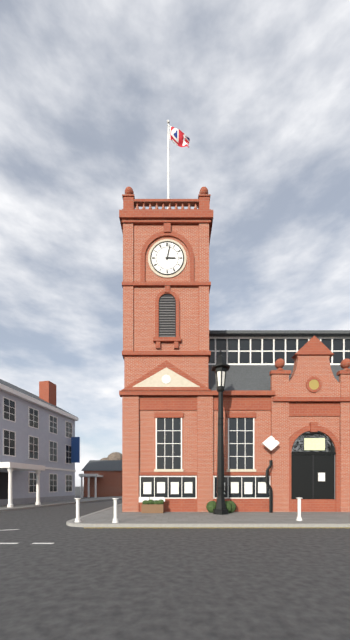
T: 3:02
